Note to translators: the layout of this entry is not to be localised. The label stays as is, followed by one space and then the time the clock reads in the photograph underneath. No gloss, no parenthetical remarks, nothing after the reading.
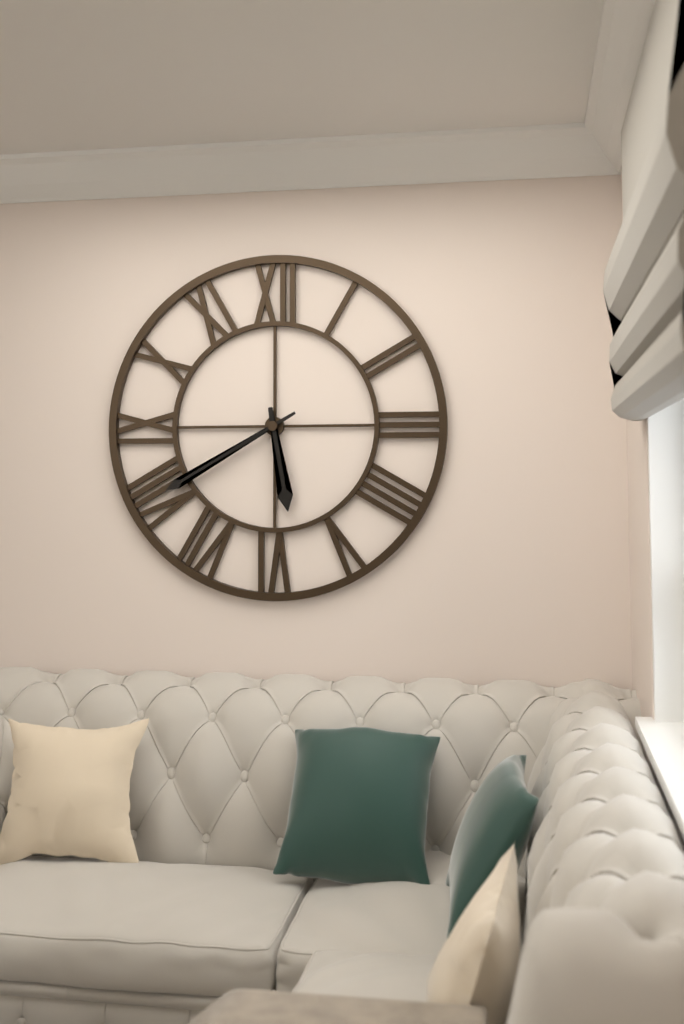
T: 5:40
